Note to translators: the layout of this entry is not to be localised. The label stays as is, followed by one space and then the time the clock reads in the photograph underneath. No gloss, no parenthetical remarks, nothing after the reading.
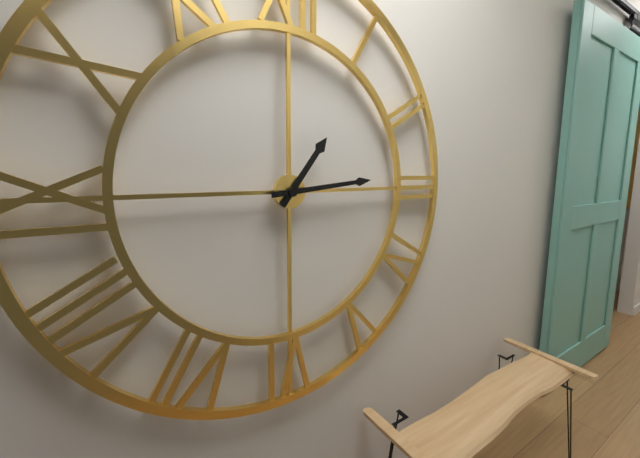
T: 1:14
